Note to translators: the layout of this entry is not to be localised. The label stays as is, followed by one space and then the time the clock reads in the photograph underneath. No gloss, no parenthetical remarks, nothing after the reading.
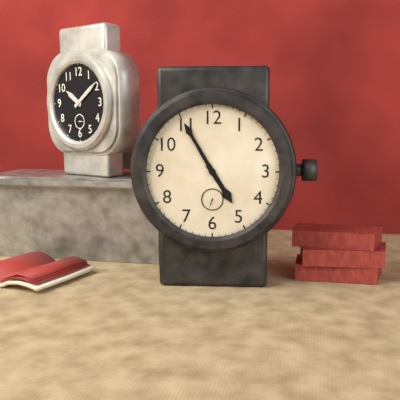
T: 4:55
